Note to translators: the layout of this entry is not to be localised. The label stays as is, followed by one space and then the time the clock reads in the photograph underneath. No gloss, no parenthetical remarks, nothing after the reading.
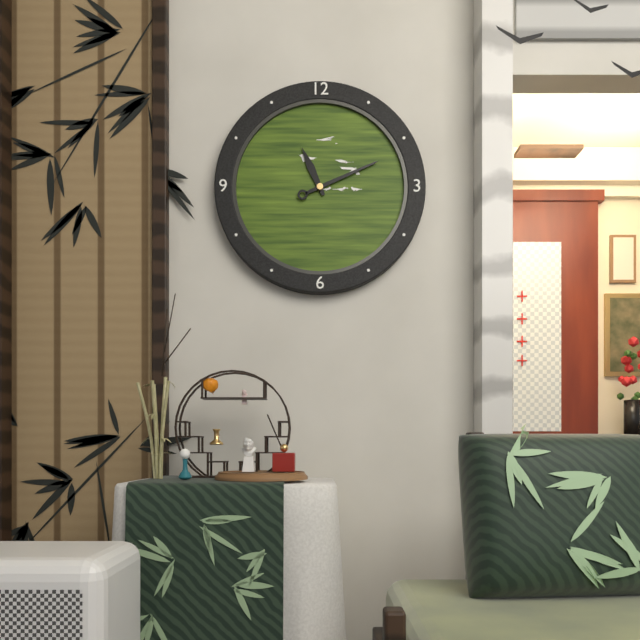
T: 11:11
